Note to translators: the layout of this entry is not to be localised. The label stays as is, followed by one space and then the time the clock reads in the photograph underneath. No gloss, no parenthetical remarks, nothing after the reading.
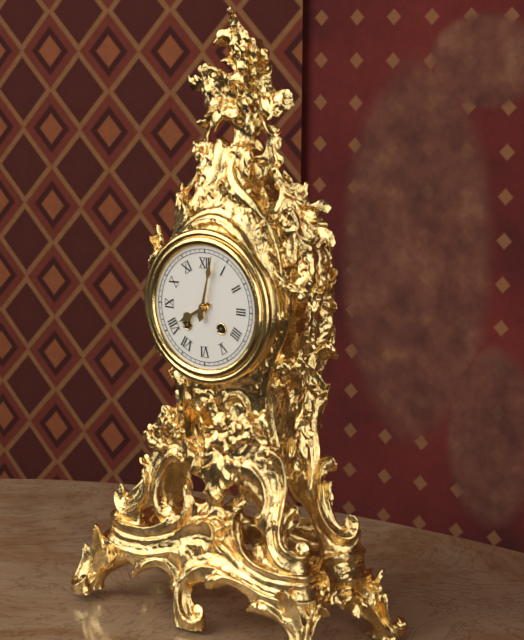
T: 8:02
